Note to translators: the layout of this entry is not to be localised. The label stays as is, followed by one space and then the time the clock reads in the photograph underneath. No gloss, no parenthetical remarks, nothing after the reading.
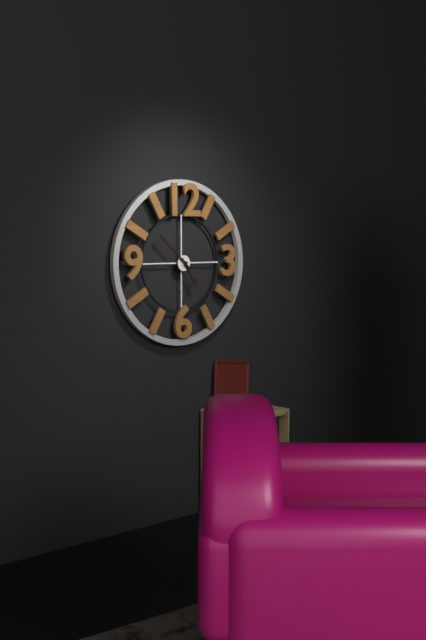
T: 4:52
